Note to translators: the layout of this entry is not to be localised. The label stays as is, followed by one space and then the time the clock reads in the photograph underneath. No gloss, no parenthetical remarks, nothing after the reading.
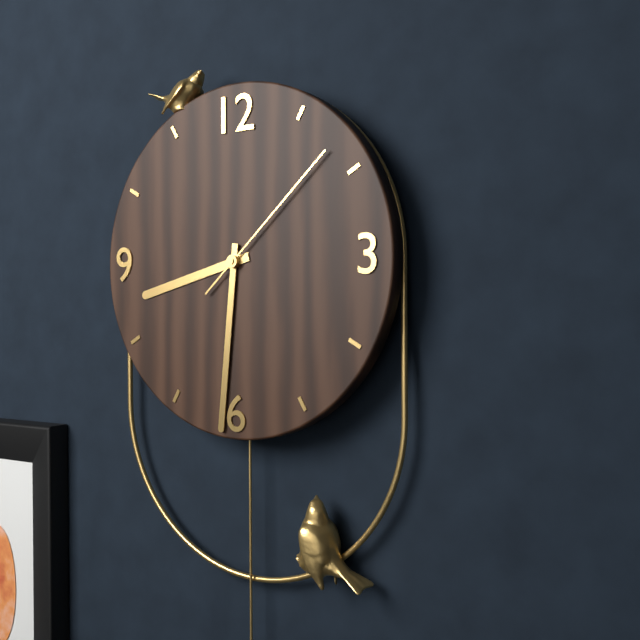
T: 8:31:08
